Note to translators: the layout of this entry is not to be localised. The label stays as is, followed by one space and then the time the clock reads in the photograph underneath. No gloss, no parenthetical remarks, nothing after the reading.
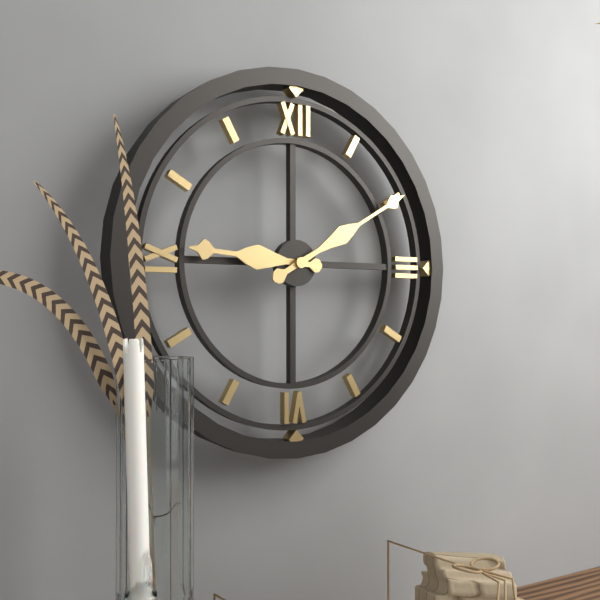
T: 9:10
